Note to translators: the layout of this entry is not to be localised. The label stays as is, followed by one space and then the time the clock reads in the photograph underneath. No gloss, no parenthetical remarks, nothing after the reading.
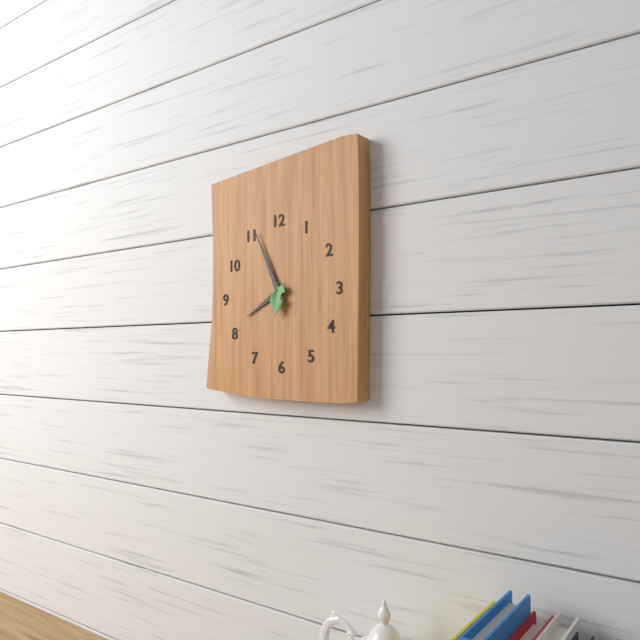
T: 7:56
